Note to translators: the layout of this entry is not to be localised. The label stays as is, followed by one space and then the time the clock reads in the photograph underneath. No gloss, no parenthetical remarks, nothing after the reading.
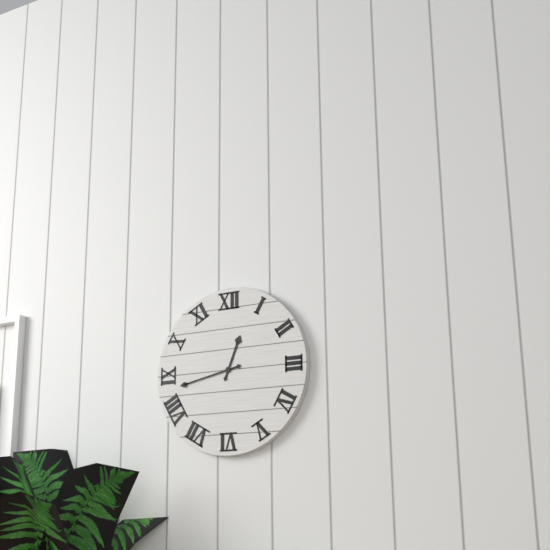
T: 12:43
